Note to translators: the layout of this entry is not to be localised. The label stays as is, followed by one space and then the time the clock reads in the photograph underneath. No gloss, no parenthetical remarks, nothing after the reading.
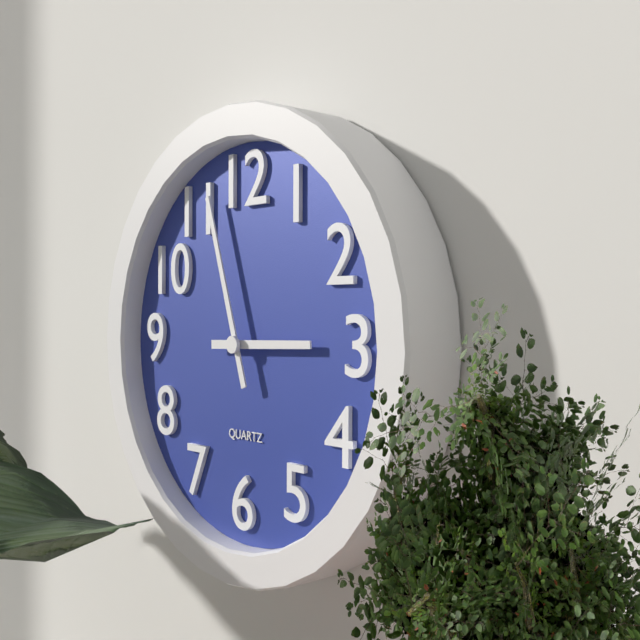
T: 2:57
